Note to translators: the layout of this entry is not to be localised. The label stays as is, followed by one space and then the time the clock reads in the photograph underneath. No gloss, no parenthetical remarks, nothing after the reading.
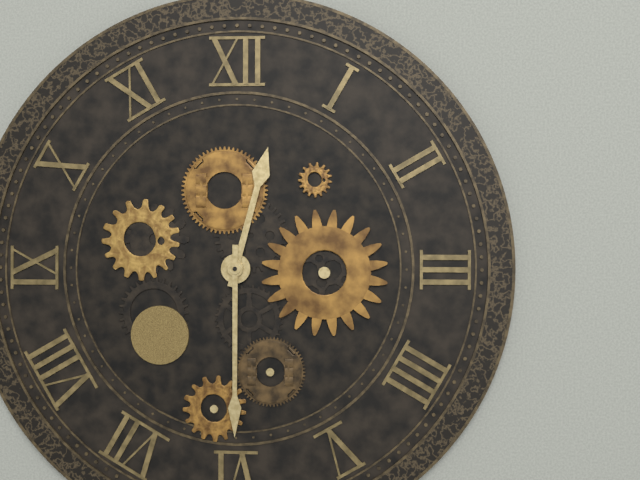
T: 12:30
